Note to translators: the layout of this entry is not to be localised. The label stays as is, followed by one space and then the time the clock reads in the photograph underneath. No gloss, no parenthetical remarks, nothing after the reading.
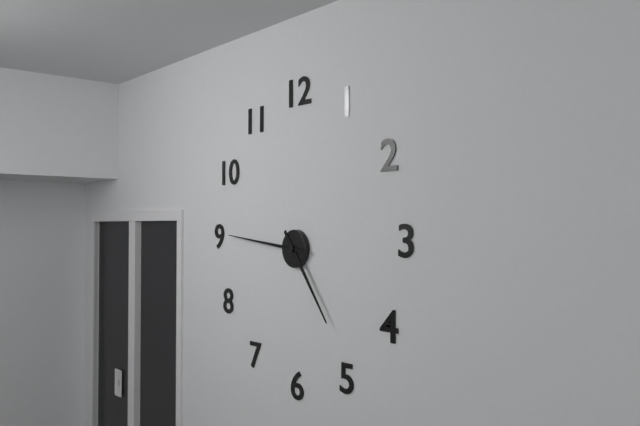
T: 4:46
